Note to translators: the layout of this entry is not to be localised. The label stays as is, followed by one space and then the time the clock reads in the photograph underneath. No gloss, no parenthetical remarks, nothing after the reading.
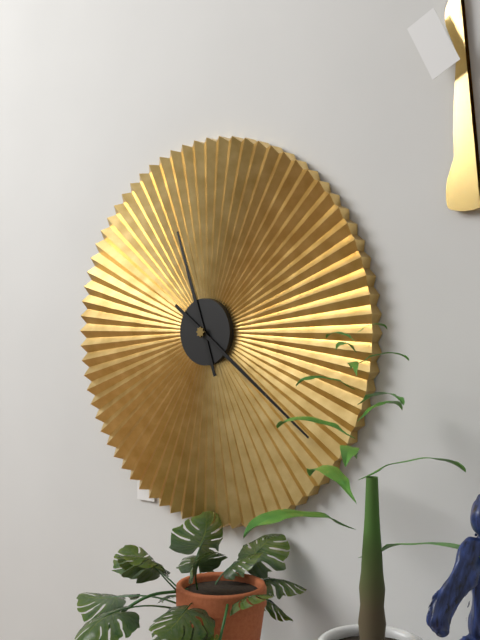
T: 11:21
